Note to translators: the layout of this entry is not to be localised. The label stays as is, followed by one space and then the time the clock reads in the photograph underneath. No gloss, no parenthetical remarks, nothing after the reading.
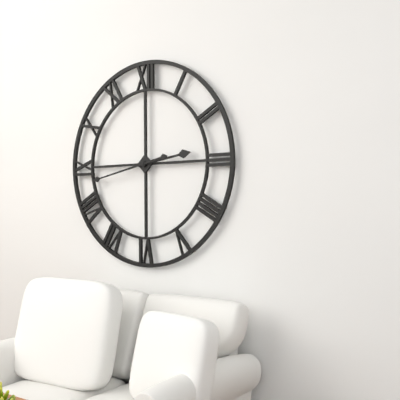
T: 2:43
